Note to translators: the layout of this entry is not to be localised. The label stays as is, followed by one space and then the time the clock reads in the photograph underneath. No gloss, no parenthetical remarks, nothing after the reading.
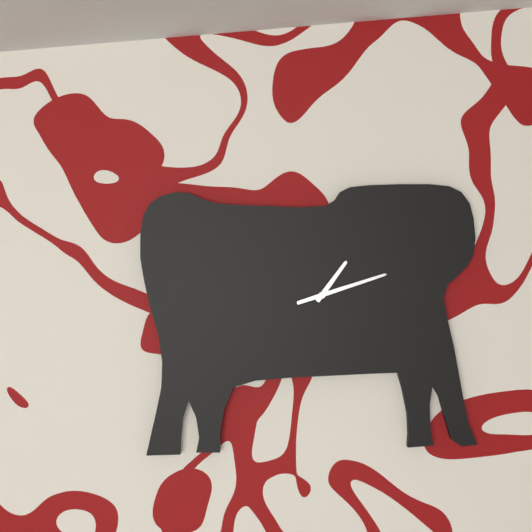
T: 1:12
